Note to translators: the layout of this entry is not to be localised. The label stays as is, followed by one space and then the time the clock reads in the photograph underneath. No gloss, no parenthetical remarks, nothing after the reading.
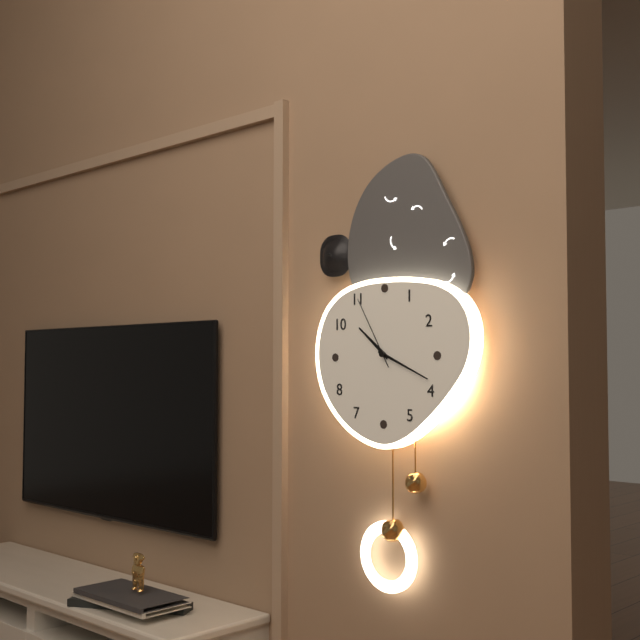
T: 10:19:55
